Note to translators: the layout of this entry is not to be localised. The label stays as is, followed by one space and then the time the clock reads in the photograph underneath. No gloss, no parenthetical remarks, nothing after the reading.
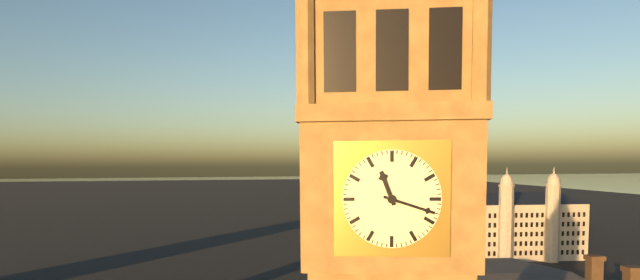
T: 11:18
